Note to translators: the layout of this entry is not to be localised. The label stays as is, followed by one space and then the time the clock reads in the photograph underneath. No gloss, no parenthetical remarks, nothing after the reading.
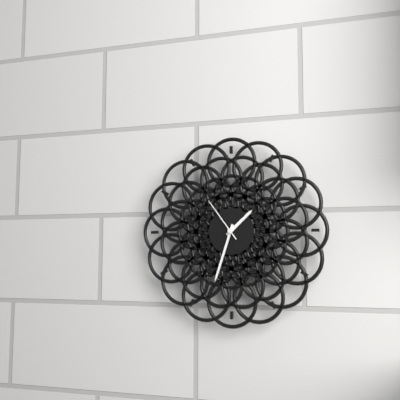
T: 1:33
